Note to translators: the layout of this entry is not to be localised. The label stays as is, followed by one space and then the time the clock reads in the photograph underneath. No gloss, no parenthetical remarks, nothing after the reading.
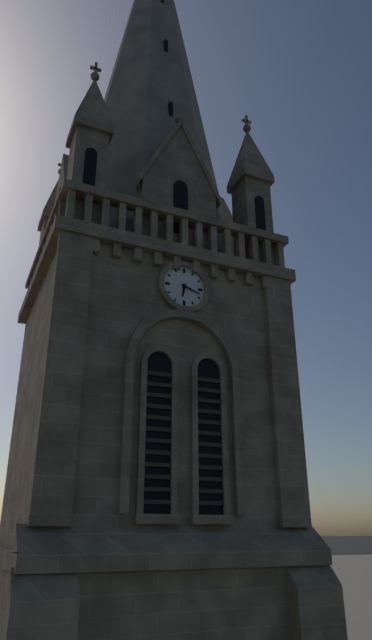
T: 6:18
